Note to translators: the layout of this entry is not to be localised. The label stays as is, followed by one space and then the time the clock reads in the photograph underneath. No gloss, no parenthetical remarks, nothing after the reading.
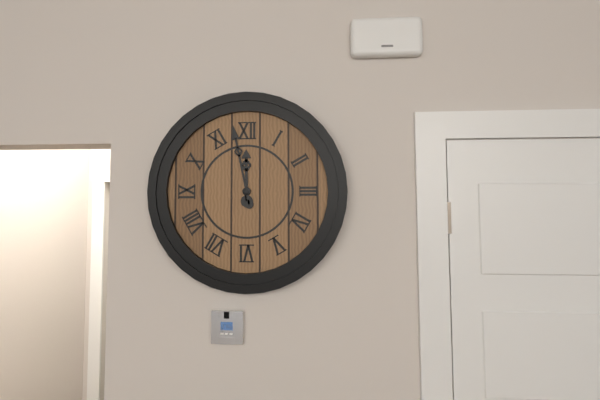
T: 11:58
